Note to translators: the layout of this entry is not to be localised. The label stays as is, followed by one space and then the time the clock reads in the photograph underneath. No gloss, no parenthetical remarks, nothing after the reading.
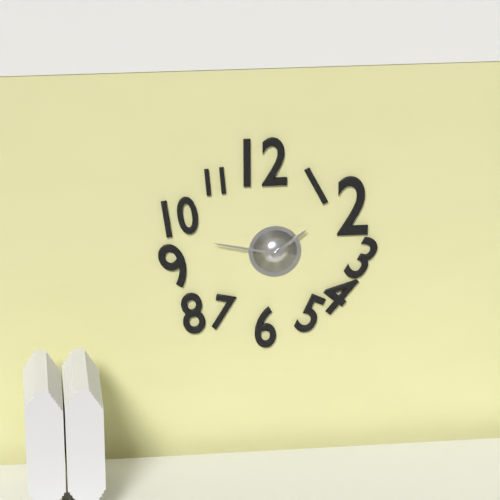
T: 1:47
